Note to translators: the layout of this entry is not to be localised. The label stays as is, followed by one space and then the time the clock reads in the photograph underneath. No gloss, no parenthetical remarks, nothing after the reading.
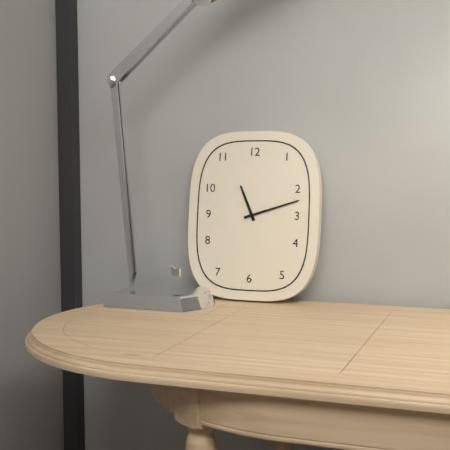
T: 11:12
